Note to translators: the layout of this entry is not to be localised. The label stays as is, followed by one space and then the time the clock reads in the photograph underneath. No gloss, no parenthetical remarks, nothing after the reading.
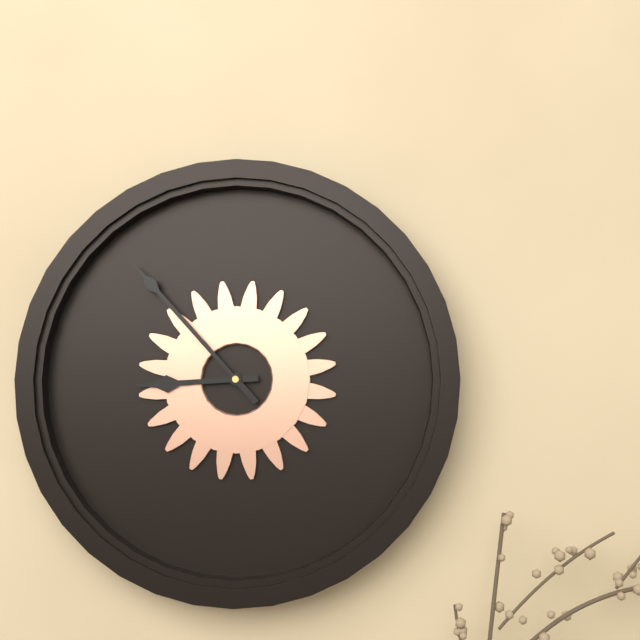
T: 8:53
